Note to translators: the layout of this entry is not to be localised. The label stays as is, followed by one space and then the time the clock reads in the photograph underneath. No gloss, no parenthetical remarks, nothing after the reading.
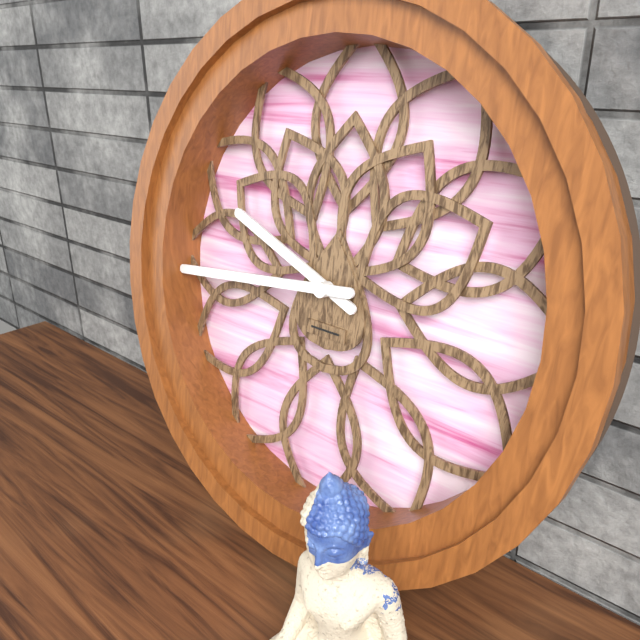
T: 9:44
